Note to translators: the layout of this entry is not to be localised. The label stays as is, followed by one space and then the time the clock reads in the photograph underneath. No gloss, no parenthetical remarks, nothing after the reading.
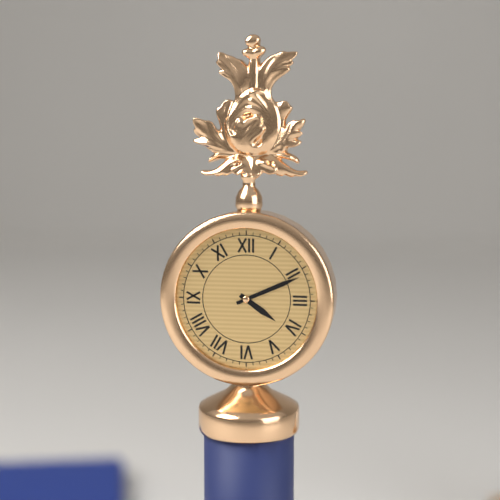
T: 4:11
